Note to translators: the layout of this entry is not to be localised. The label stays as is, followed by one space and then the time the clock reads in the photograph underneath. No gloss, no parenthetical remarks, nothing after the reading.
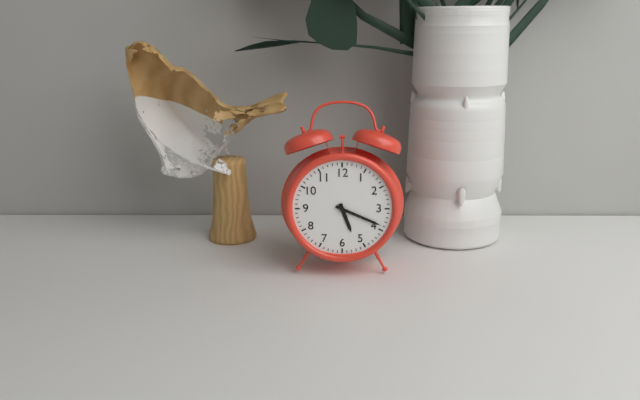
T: 5:19
